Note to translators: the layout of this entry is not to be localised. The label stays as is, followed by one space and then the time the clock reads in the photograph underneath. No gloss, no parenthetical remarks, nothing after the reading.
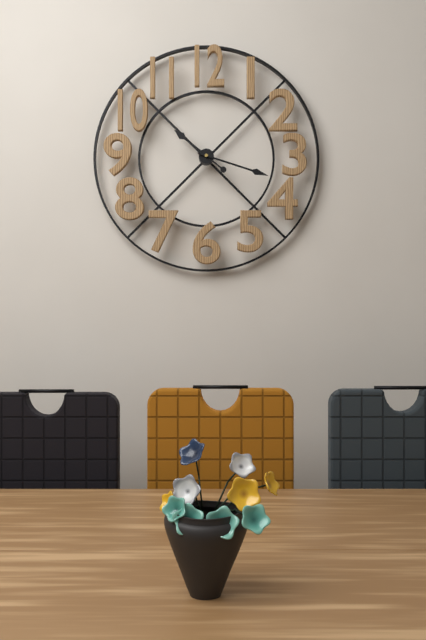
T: 10:18
